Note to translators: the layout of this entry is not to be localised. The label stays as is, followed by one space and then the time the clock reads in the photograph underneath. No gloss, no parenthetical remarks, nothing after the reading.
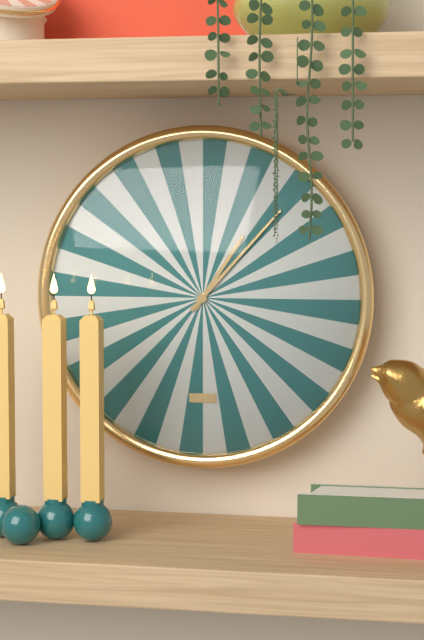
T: 1:07
